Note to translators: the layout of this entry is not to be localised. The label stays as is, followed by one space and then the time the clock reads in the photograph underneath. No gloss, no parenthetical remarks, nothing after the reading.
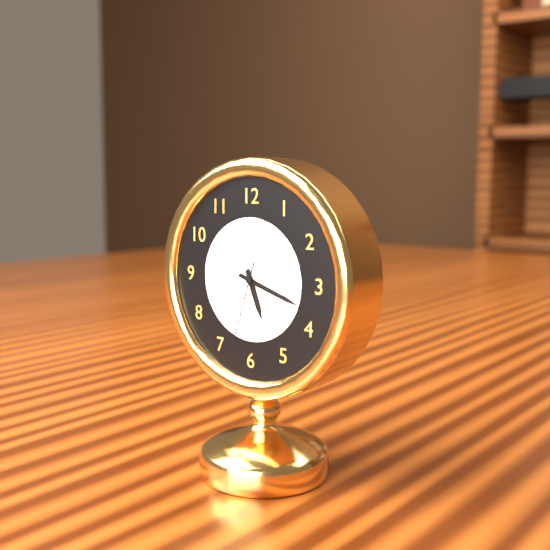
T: 5:18:33
